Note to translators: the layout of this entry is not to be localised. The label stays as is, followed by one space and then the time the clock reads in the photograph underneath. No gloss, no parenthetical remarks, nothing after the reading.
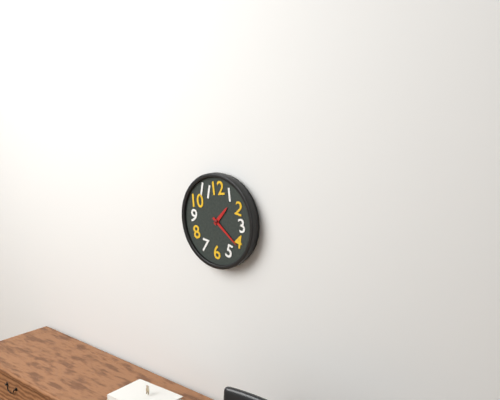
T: 1:21
